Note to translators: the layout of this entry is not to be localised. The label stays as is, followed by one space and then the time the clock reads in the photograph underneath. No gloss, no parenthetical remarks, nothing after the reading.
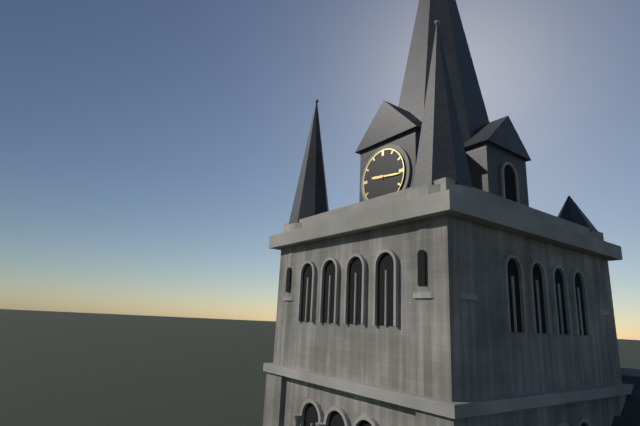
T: 9:16
